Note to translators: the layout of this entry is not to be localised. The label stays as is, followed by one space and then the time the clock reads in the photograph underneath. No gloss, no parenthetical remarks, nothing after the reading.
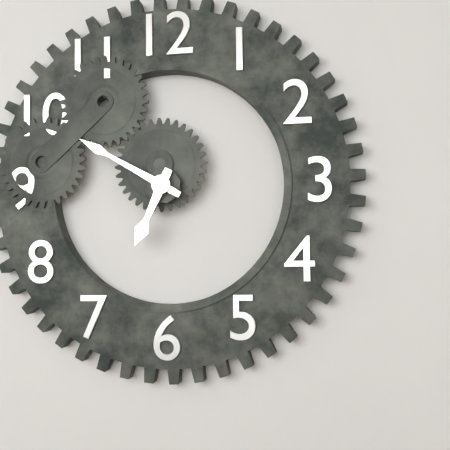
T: 6:50
